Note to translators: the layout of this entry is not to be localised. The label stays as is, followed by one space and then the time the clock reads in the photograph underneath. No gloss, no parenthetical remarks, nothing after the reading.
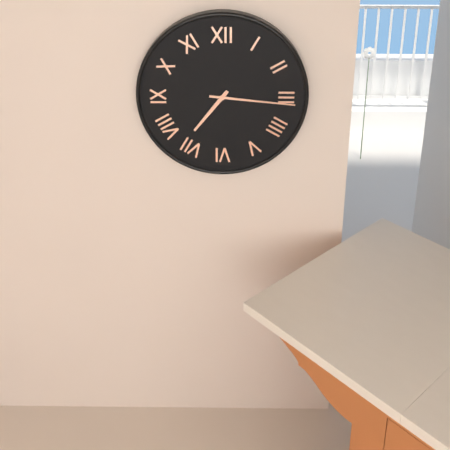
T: 7:16
